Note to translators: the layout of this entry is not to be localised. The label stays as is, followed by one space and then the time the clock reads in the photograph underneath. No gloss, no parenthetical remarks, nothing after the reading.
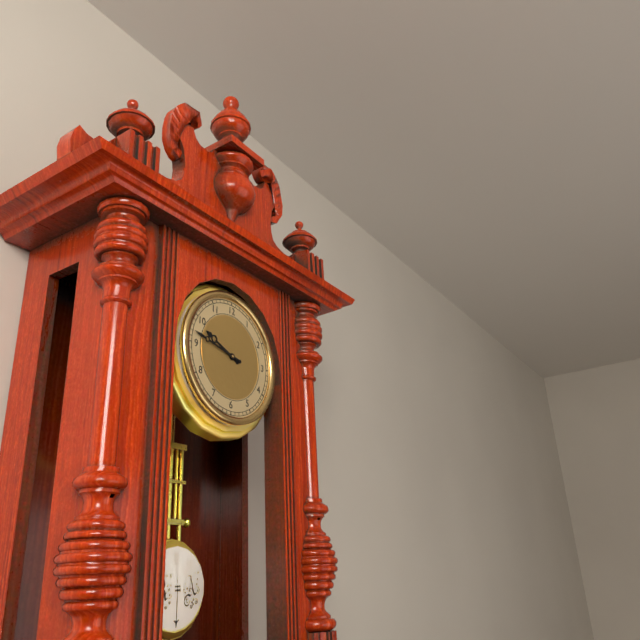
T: 9:47
